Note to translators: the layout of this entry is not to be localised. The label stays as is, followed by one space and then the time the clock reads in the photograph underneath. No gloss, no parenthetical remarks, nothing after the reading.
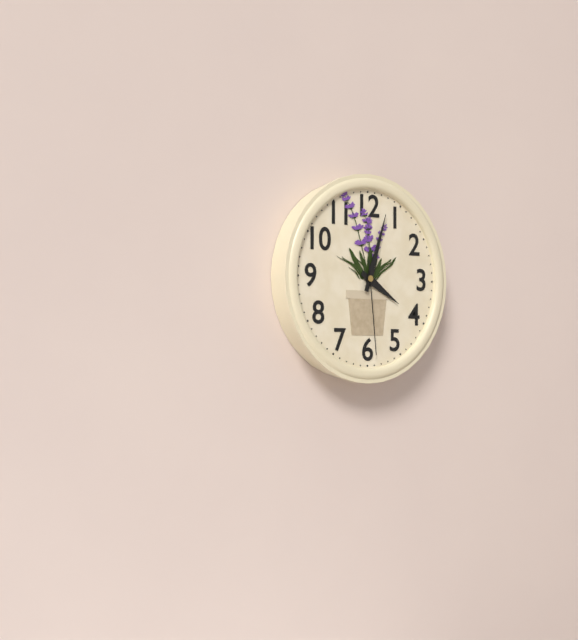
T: 4:03:29
